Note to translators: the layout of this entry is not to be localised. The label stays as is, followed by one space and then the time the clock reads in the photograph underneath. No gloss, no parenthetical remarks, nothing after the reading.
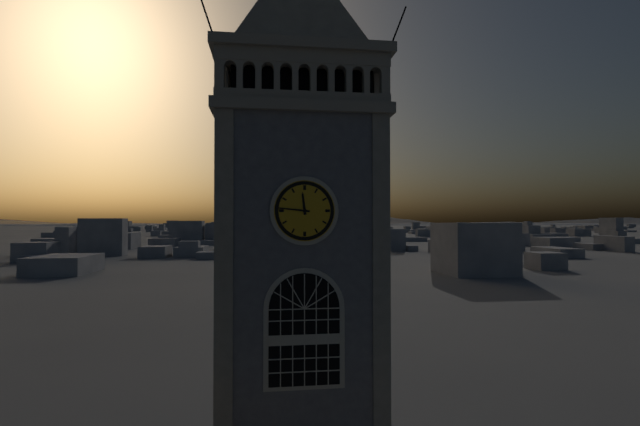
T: 11:46
